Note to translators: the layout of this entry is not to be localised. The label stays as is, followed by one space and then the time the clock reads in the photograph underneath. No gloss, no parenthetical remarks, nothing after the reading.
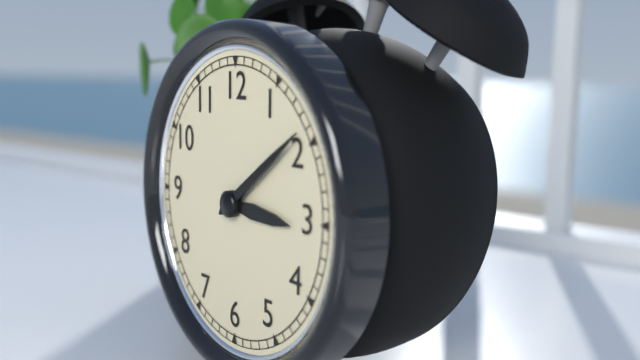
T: 3:09
